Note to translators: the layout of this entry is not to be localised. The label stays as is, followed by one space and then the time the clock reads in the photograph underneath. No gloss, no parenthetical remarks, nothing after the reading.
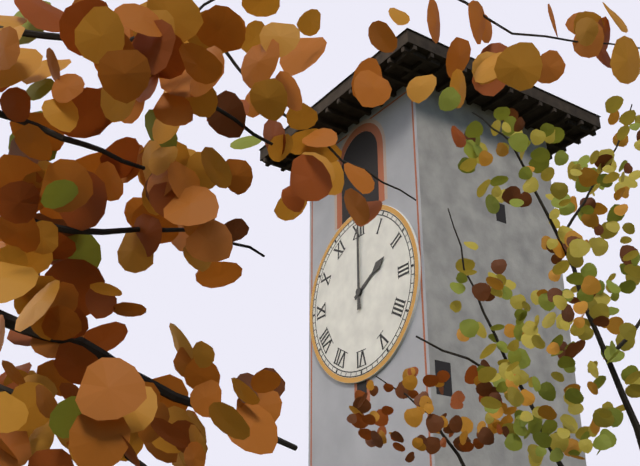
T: 2:00
